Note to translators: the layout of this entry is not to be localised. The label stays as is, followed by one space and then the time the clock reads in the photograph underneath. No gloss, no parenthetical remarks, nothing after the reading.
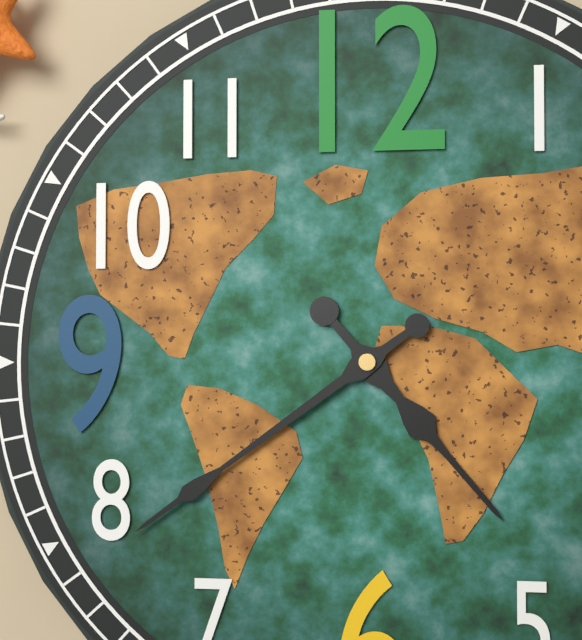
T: 4:39
